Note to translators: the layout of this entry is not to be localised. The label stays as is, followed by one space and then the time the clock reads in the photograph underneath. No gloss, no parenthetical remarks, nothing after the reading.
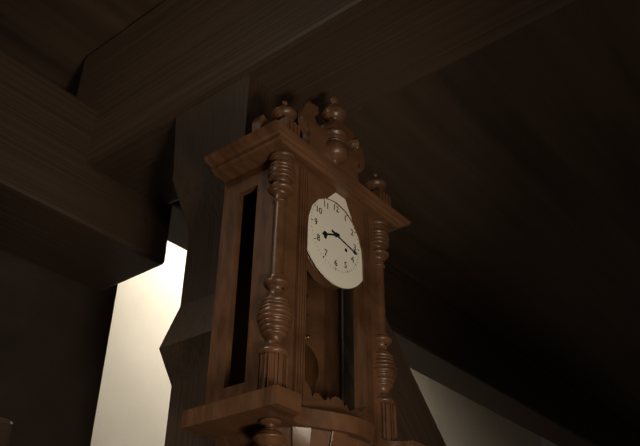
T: 8:17
